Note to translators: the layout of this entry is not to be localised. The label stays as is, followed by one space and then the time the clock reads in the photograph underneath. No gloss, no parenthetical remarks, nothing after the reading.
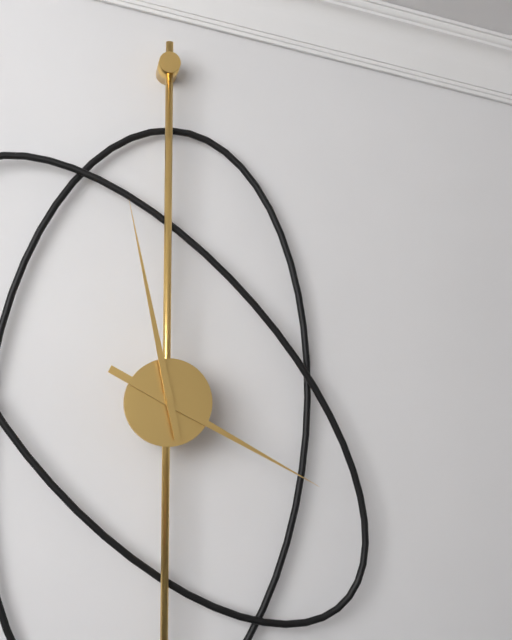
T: 3:58
